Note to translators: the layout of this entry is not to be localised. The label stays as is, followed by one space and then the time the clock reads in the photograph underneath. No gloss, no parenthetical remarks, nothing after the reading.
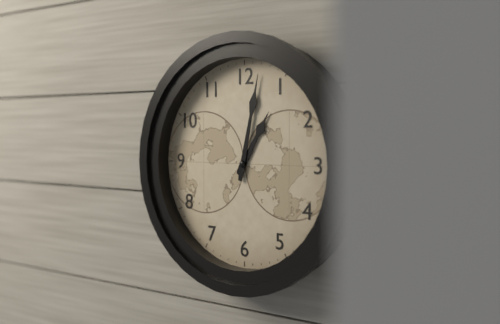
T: 1:02
